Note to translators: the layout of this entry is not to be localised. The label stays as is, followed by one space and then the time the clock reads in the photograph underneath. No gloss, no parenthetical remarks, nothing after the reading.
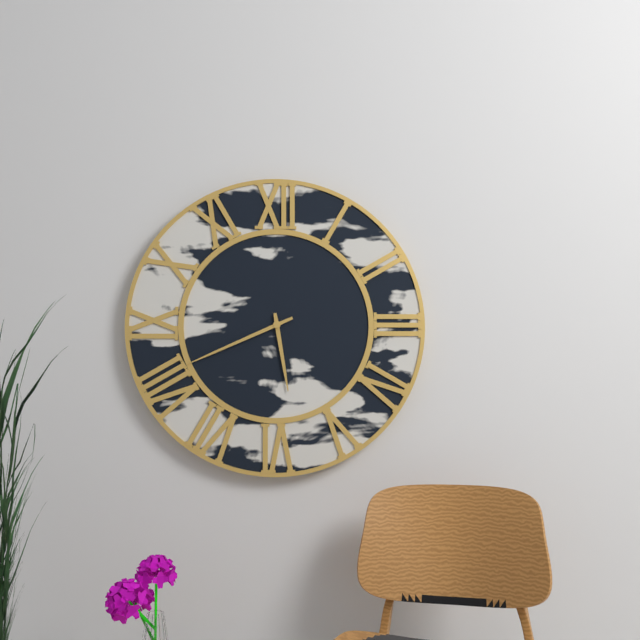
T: 5:41
